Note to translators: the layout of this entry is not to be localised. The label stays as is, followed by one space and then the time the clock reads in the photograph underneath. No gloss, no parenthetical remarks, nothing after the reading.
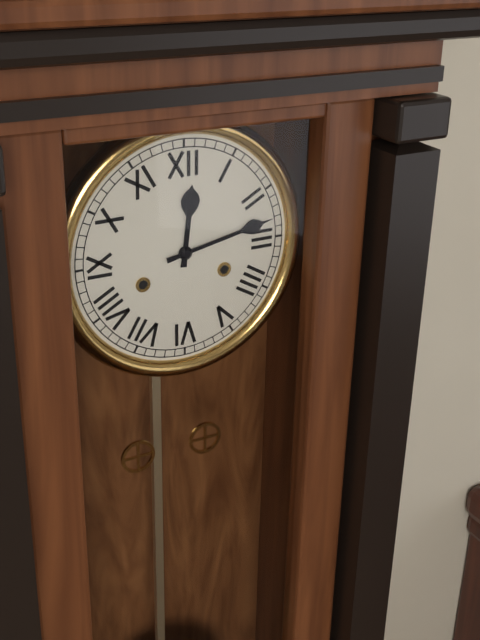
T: 12:13
